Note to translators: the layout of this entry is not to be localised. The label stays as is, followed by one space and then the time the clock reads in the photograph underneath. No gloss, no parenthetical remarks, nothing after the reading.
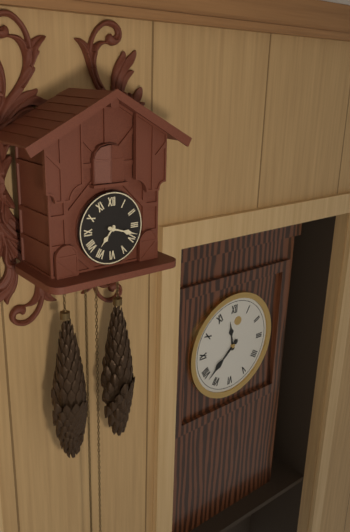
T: 7:18
